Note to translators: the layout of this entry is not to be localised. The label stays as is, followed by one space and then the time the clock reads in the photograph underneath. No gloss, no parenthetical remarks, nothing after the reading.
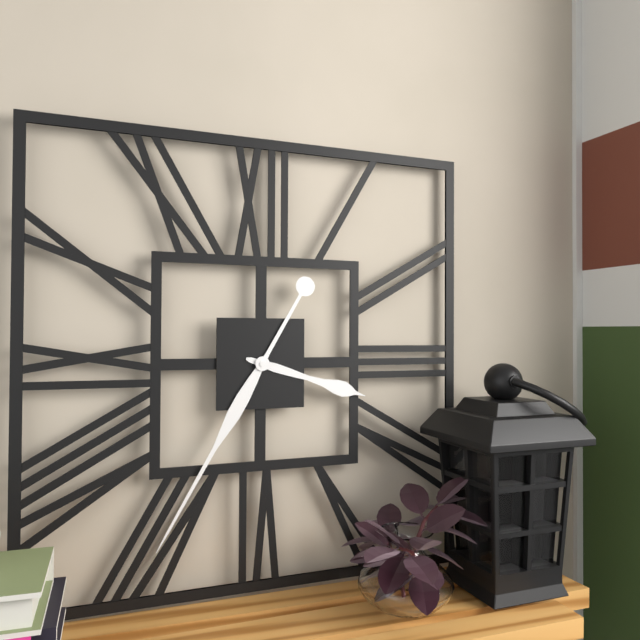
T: 3:35
